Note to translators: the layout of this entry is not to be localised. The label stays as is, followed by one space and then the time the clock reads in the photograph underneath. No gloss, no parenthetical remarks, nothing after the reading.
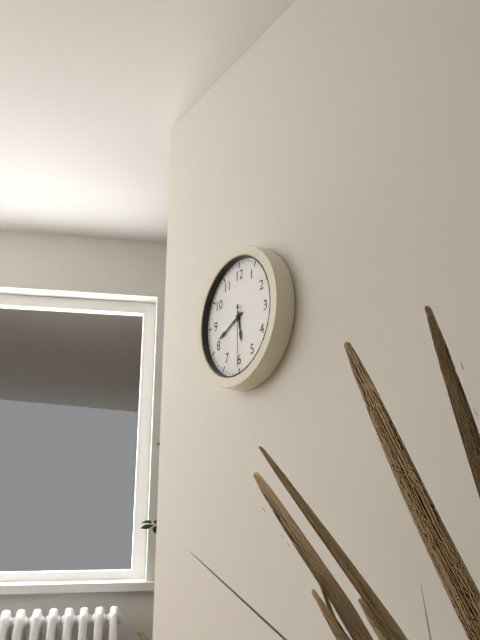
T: 5:41:30
